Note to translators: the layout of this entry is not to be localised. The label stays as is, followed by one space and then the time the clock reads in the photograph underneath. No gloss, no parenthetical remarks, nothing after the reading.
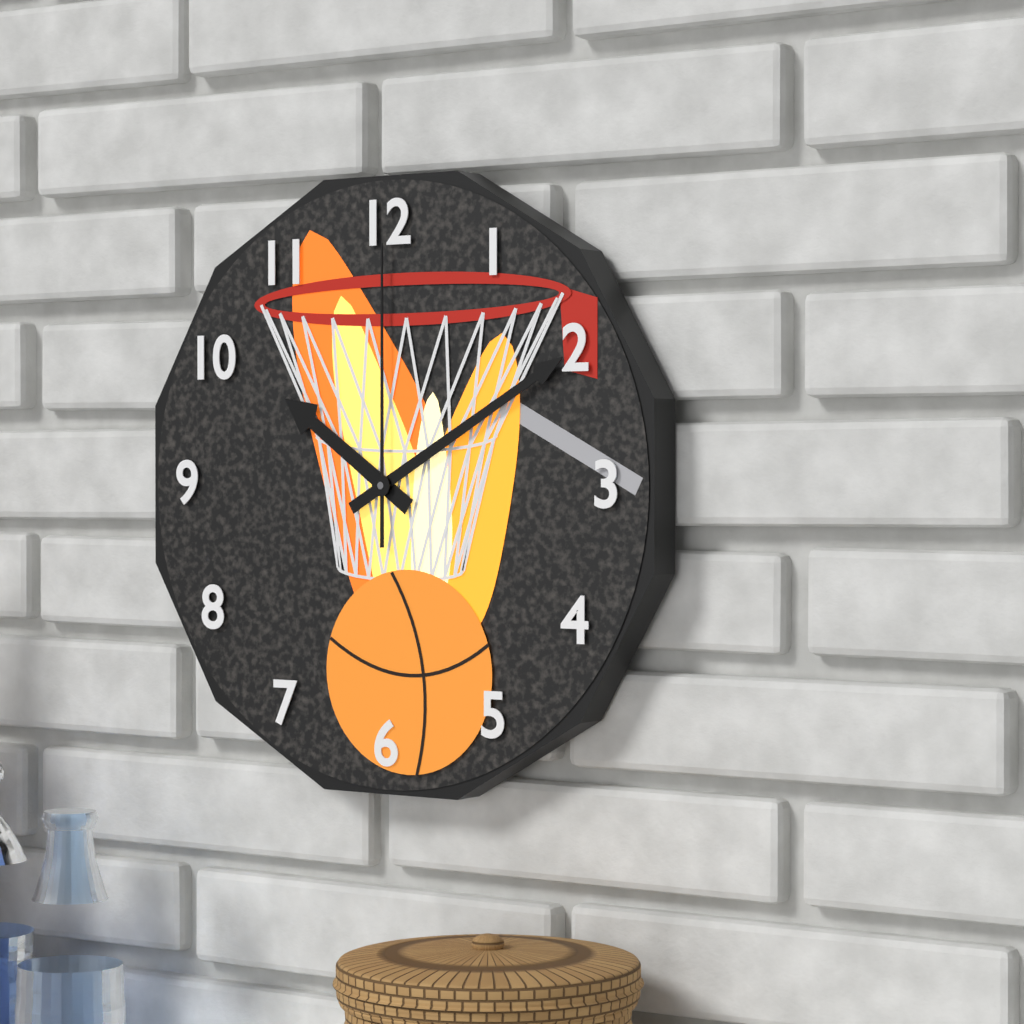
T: 10:10:00
